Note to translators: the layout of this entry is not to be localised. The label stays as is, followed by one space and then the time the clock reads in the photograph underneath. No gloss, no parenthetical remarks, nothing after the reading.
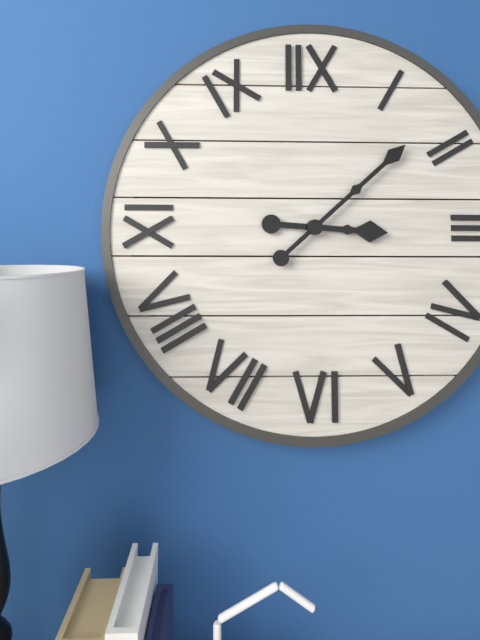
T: 3:08
